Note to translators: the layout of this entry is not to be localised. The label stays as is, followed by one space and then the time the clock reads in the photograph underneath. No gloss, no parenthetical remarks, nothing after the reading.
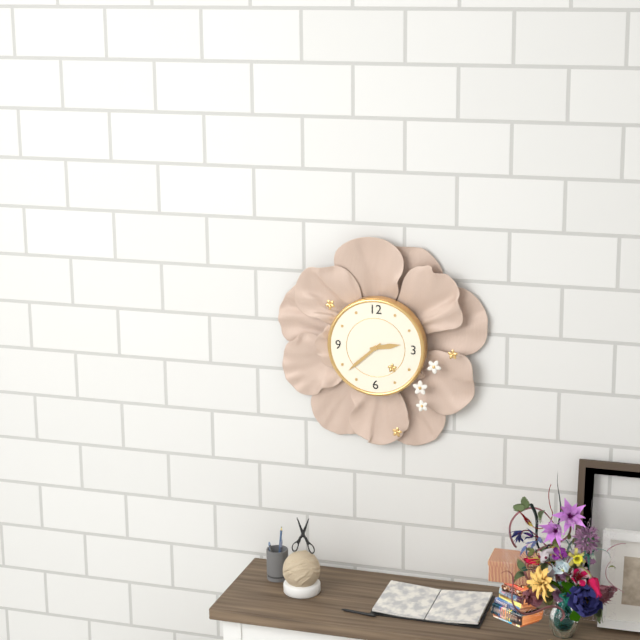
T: 2:38
